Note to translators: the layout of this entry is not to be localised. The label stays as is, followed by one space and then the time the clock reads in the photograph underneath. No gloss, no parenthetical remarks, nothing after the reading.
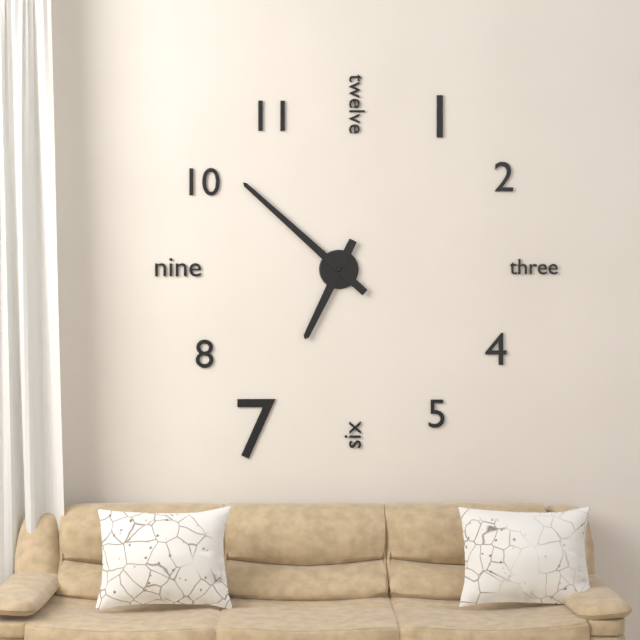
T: 6:52
